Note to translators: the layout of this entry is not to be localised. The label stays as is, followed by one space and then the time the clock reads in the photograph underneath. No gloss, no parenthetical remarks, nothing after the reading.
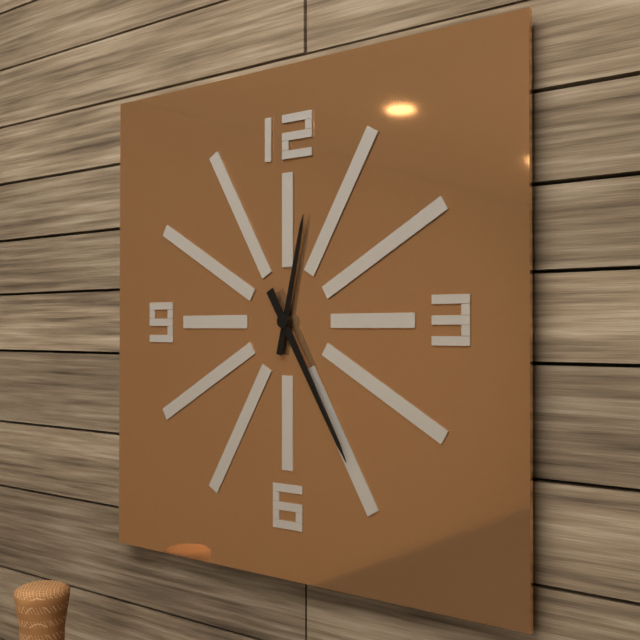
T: 12:25
